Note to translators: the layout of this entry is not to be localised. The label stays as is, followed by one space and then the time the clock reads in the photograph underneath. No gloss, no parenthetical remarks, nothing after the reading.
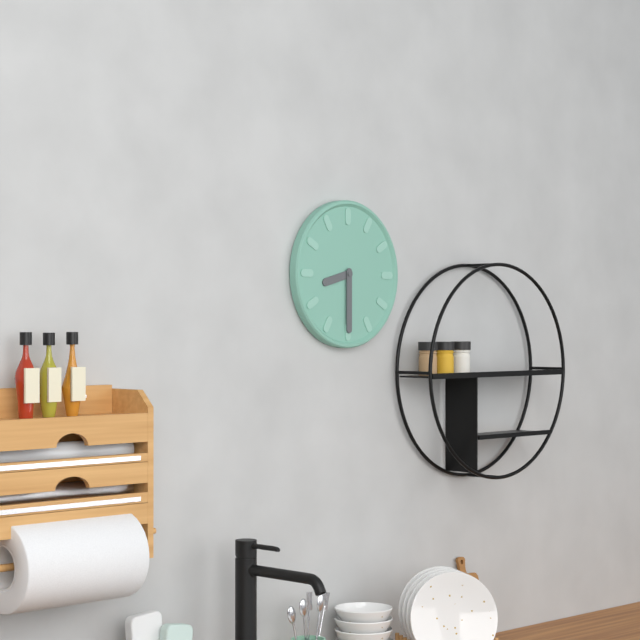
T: 8:30
